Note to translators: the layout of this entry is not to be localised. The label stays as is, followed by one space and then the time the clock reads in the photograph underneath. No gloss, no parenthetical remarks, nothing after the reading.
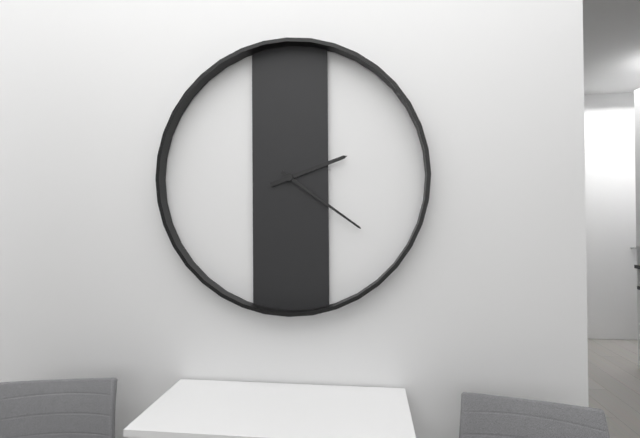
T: 2:21
